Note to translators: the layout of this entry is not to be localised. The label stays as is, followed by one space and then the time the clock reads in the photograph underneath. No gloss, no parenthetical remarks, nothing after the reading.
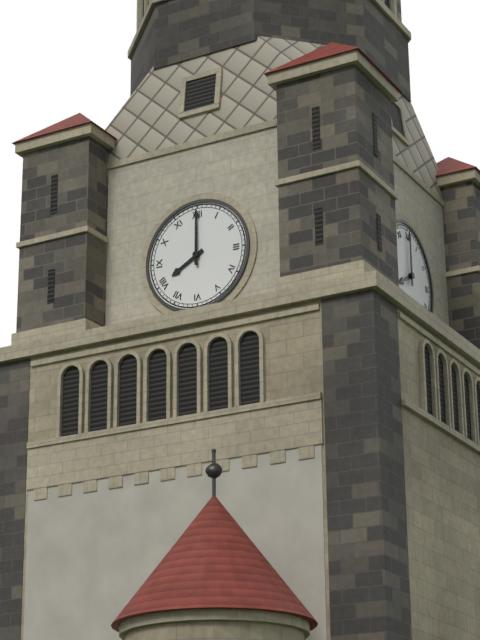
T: 8:00
